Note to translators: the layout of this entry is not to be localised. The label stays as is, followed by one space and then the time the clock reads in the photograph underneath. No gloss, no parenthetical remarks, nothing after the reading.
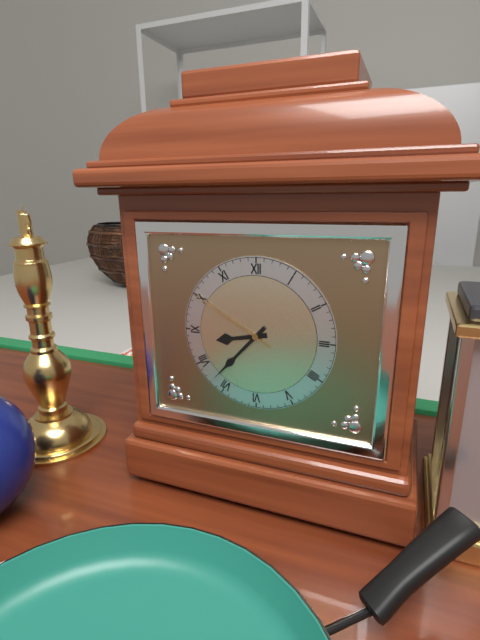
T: 8:37:50
